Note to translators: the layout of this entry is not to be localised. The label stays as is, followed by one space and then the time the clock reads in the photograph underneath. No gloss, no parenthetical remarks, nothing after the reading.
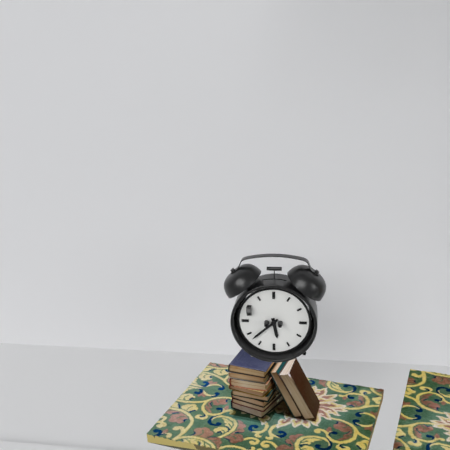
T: 5:38
